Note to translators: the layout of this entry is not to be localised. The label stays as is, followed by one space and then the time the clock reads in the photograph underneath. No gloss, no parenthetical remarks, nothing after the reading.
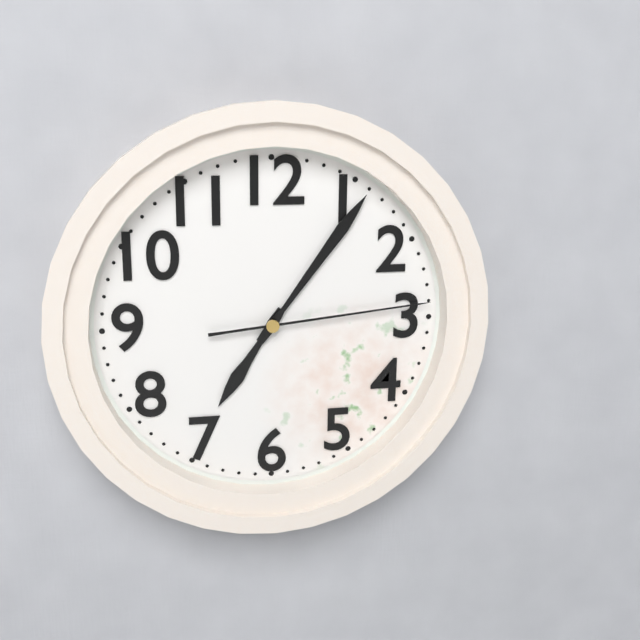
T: 7:06:14
